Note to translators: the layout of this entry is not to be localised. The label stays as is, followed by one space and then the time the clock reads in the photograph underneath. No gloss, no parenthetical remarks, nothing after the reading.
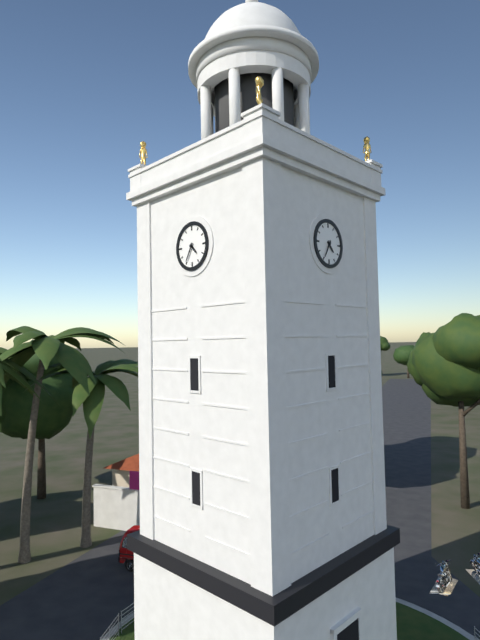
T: 4:35
